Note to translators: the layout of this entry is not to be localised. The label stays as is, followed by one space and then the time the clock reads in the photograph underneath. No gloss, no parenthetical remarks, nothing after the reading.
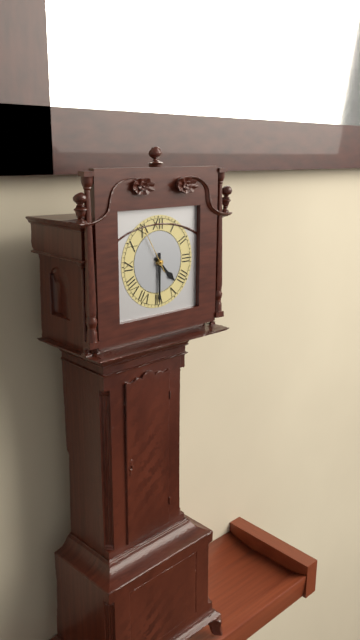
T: 4:30
